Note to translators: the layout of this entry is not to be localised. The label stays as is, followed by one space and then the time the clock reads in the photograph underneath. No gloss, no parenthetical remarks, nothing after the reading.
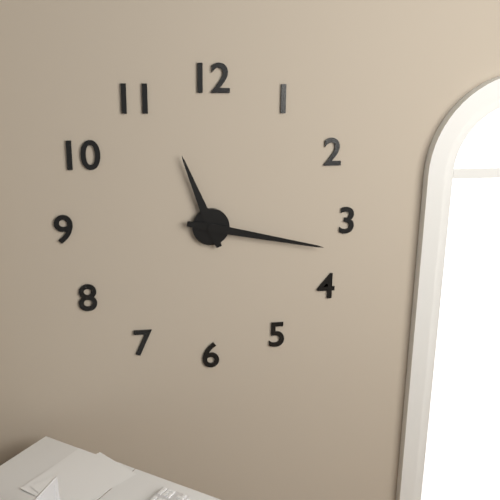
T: 11:17
